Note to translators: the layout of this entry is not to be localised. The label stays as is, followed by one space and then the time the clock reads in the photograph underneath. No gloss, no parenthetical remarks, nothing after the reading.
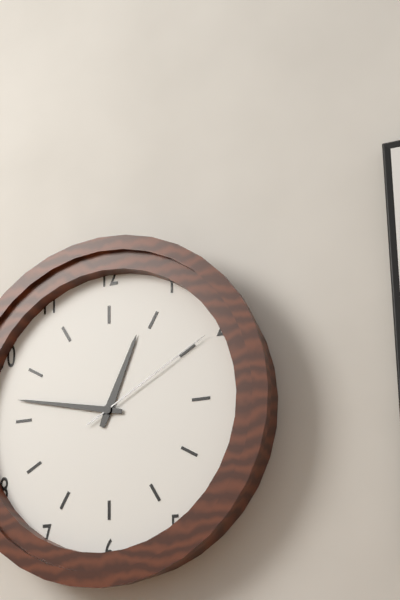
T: 12:47:10
